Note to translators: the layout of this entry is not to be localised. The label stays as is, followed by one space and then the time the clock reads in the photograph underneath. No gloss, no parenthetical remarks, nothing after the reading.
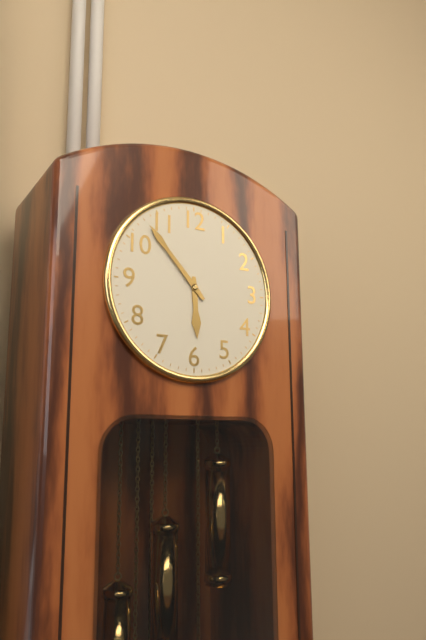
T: 5:53
